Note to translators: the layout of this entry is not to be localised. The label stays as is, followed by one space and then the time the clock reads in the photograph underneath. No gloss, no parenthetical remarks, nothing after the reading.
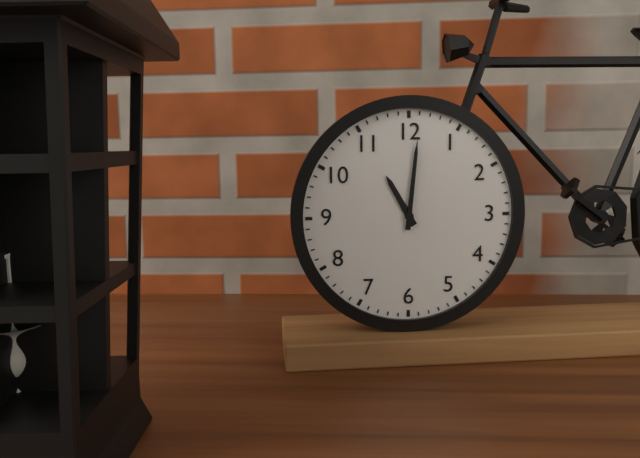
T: 11:01
